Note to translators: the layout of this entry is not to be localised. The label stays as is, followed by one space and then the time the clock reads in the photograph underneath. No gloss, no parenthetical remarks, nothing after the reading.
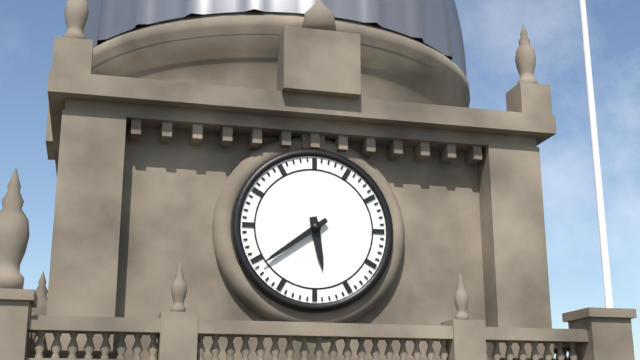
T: 5:39
